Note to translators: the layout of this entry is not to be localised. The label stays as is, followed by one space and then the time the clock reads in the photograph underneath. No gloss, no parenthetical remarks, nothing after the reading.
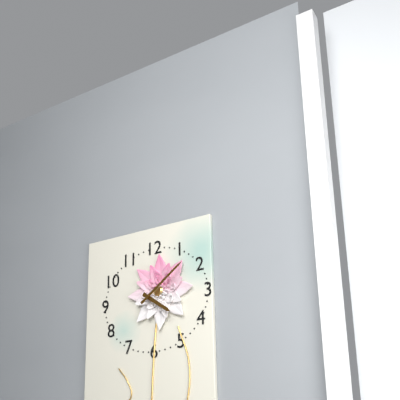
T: 4:09
